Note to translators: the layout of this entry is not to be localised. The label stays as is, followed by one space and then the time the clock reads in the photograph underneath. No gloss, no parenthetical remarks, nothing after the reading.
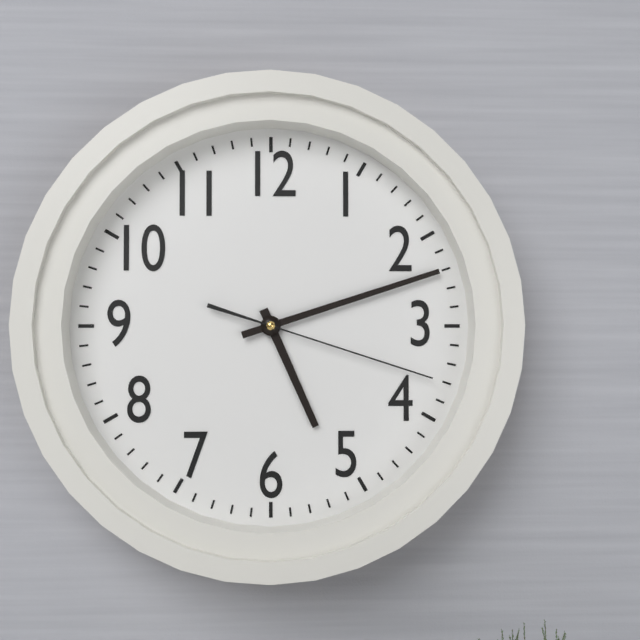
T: 5:12:18
